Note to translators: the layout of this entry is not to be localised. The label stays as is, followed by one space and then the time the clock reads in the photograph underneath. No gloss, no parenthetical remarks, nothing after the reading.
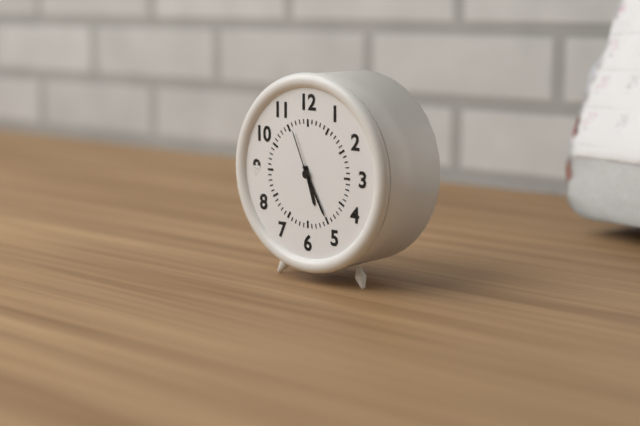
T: 5:25:56
